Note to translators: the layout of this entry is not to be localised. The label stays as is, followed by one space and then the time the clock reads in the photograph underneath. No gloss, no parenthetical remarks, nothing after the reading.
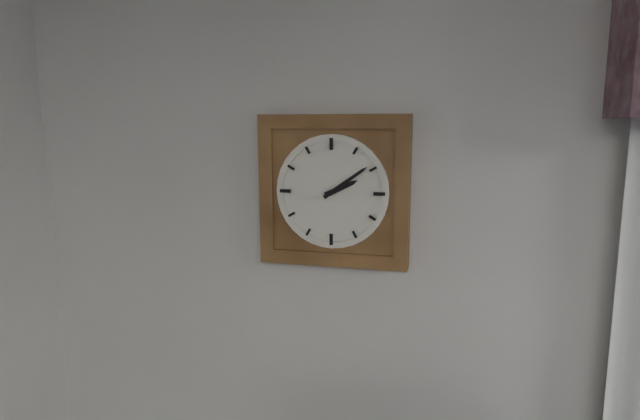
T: 2:09
